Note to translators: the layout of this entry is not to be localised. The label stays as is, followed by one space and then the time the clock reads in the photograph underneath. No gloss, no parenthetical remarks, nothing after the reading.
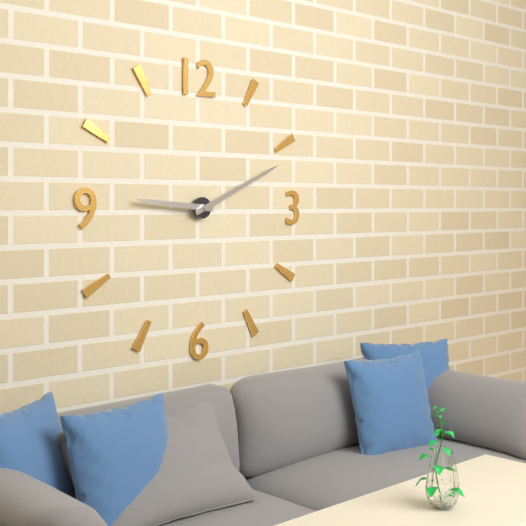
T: 9:11
